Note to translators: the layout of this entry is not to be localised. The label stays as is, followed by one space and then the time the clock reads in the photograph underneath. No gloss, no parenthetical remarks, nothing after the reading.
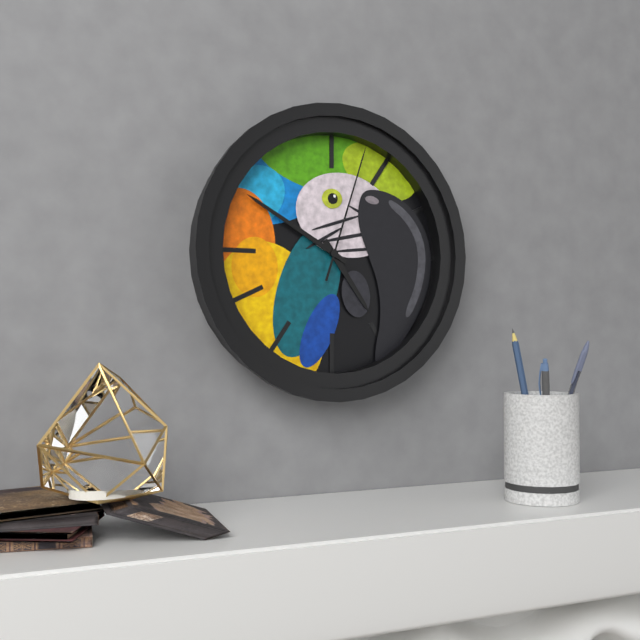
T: 4:50:03
